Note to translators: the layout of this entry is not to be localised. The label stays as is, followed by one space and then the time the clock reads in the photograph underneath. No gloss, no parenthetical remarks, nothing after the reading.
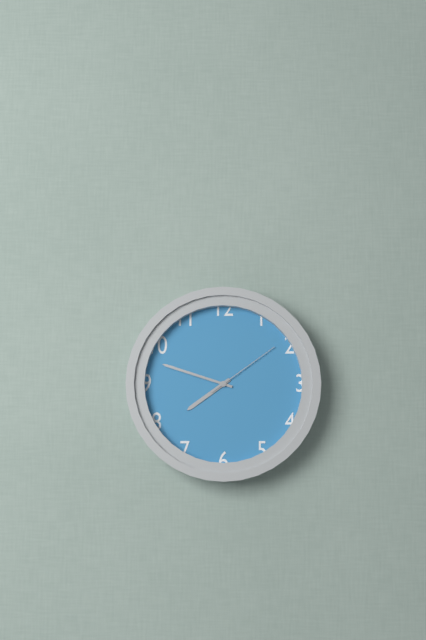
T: 7:48:09
